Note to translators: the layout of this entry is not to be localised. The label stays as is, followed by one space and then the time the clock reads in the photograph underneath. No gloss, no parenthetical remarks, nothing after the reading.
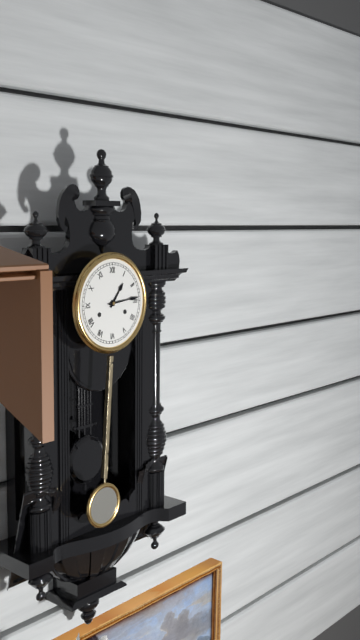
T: 1:14
